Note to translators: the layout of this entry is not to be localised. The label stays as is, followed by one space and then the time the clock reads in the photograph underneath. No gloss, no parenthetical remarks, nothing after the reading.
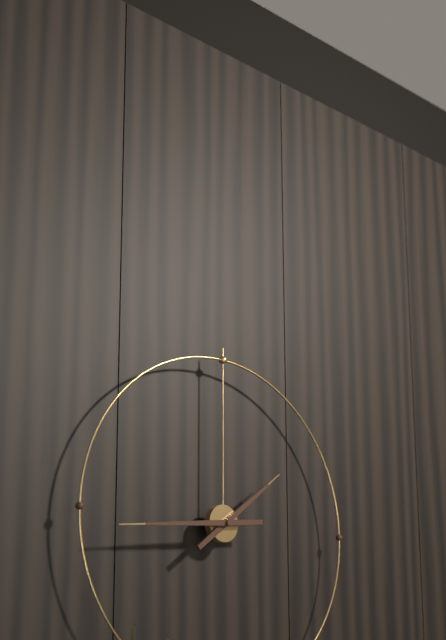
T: 1:44
